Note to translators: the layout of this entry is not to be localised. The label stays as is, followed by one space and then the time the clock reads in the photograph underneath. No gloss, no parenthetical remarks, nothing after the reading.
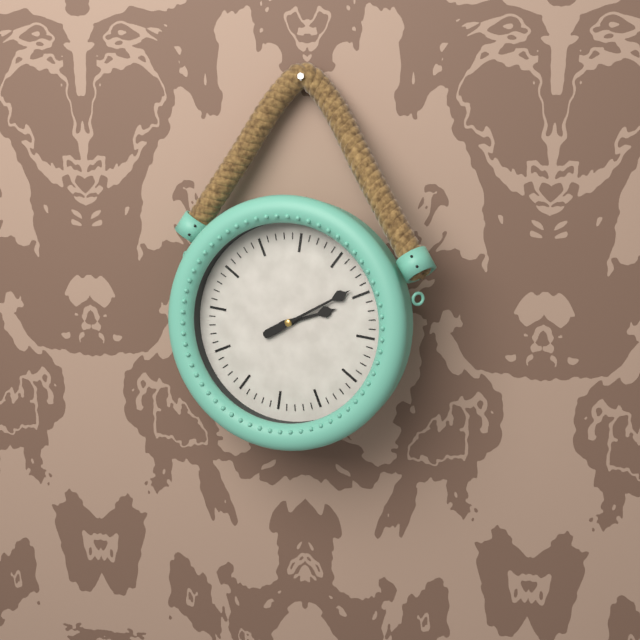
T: 2:09
